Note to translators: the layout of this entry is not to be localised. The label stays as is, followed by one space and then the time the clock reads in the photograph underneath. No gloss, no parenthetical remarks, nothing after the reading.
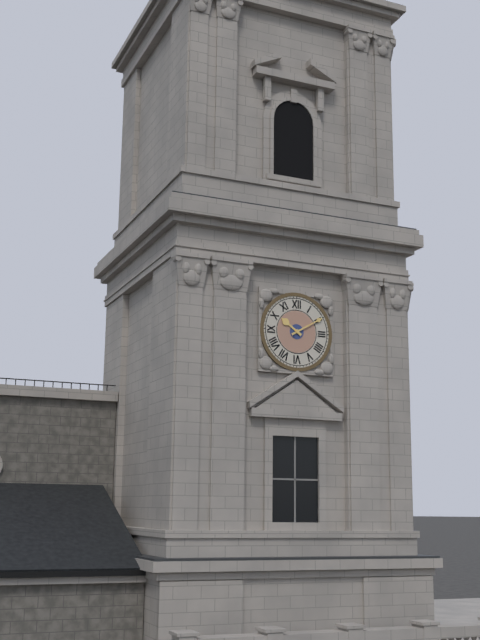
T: 10:10
